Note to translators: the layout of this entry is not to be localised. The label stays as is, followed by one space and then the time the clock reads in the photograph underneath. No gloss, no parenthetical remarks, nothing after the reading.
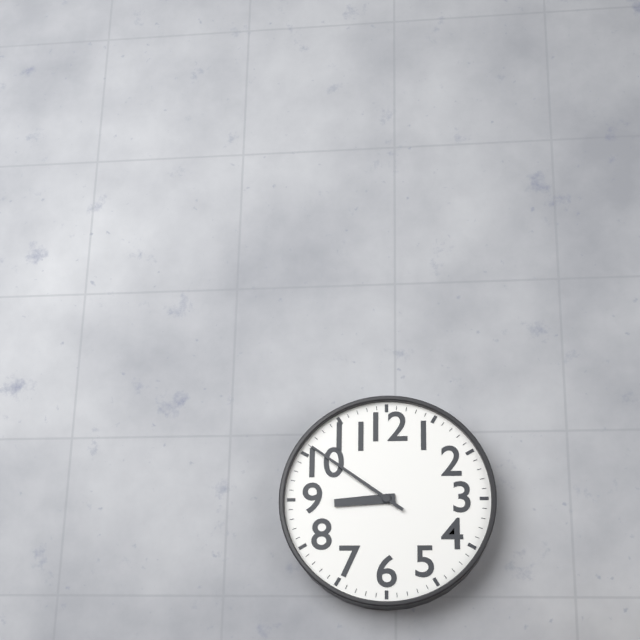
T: 8:51
